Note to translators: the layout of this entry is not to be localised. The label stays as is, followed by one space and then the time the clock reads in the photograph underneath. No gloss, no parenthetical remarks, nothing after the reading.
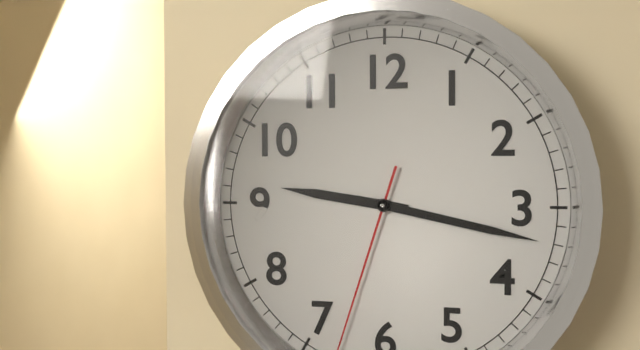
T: 9:17
